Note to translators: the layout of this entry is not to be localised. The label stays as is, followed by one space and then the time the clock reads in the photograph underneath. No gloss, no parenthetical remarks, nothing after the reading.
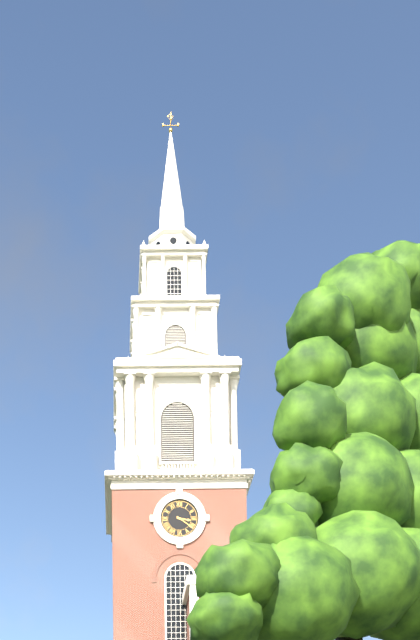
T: 3:21
